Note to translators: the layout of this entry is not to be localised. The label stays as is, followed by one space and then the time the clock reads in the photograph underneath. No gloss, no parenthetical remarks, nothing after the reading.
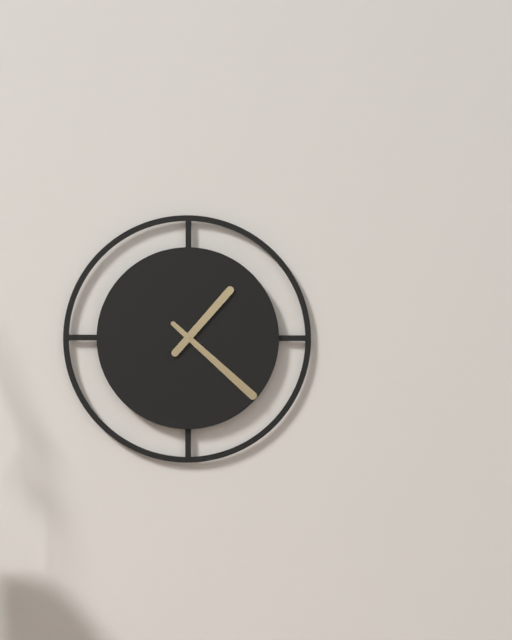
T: 1:22
